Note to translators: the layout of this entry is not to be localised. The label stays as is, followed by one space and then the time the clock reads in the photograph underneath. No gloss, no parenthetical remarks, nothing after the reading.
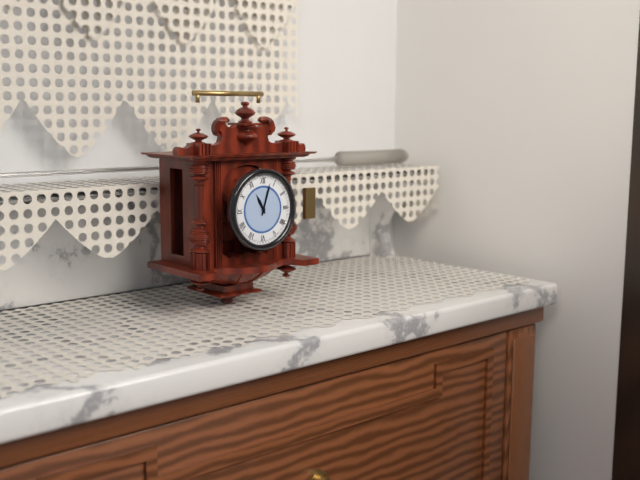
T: 11:03
